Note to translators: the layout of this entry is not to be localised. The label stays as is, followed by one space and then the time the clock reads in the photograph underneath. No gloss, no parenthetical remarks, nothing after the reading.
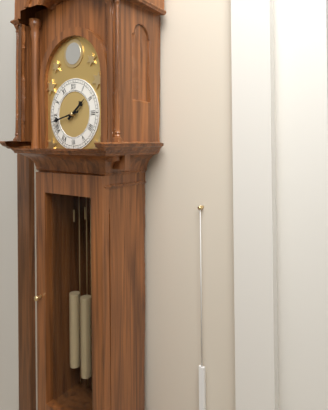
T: 1:43
